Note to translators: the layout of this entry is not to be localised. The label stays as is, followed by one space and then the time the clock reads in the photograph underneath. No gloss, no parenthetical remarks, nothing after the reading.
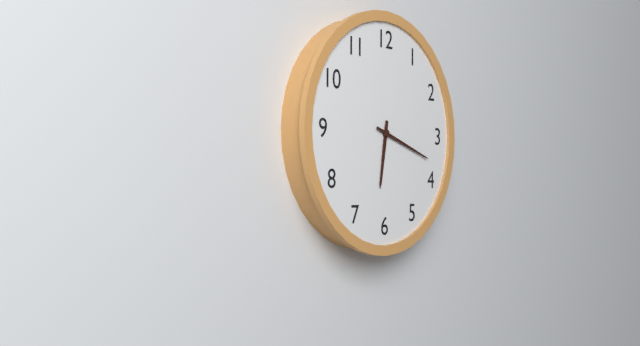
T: 6:18
